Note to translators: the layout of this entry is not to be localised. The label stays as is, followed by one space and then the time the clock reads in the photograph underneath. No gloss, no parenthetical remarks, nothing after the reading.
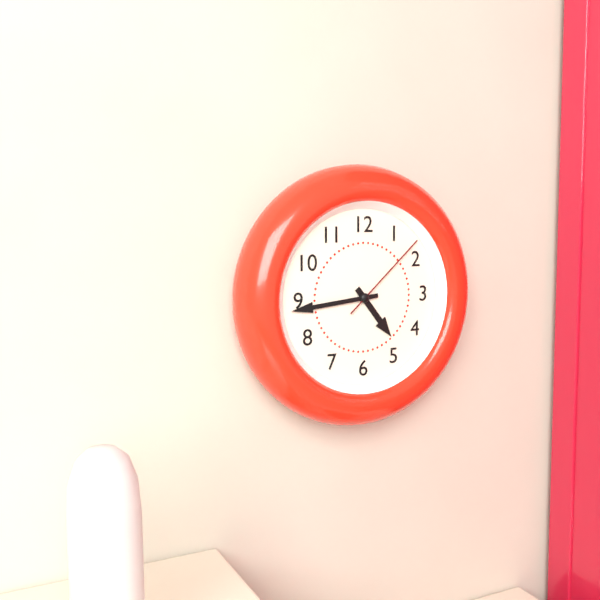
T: 4:44:08
